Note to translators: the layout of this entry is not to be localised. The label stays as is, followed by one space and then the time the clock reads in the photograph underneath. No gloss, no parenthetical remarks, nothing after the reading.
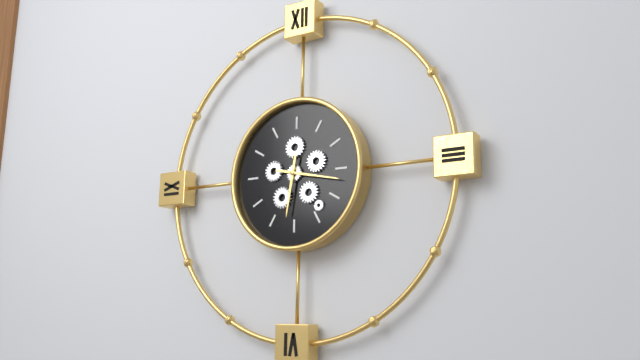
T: 6:17
